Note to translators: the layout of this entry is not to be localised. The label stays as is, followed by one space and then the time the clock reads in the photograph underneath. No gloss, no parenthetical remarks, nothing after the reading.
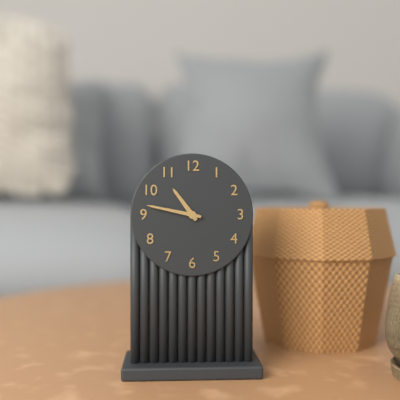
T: 10:47
